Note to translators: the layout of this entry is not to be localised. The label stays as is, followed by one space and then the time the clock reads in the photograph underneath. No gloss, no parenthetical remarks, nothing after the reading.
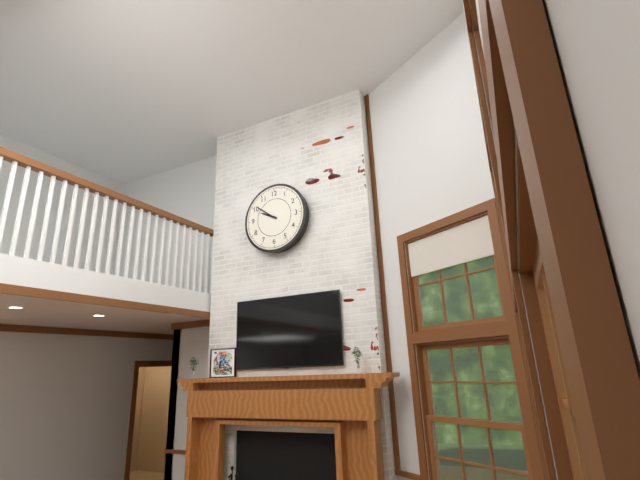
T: 9:51
